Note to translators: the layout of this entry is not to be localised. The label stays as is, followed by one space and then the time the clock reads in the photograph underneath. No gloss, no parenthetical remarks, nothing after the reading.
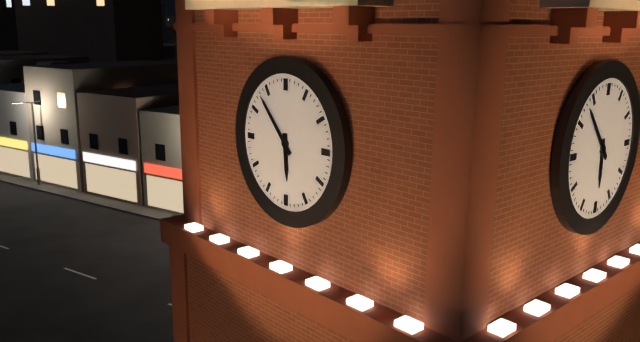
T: 5:53
